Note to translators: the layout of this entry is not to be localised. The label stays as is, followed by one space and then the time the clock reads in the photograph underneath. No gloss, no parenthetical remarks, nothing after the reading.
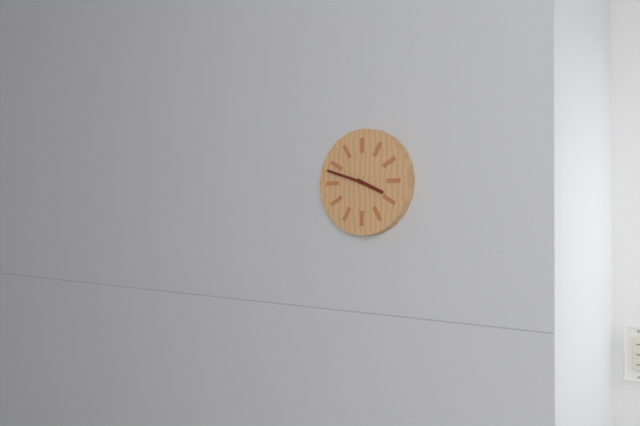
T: 3:48
